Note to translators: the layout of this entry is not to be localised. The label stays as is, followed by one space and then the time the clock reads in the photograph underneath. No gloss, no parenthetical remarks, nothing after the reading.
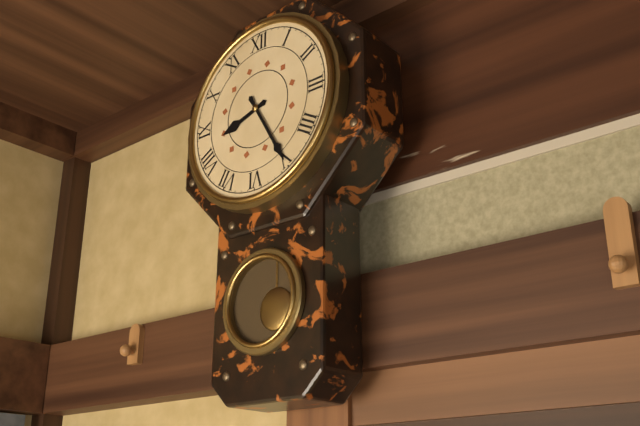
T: 8:25
